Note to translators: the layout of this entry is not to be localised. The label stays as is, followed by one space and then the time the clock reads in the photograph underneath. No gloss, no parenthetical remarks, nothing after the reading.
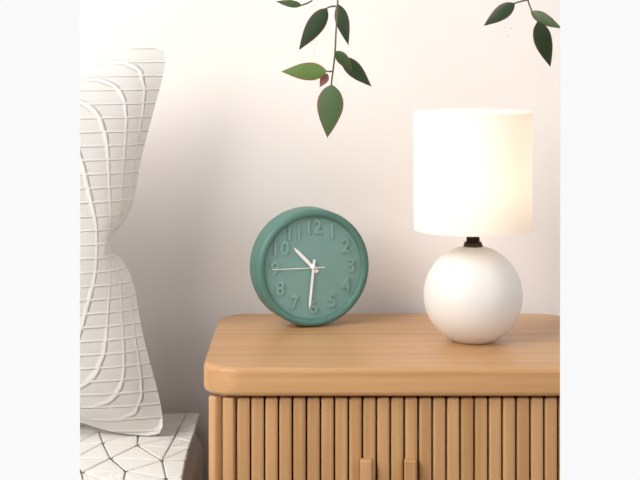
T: 10:31:45
